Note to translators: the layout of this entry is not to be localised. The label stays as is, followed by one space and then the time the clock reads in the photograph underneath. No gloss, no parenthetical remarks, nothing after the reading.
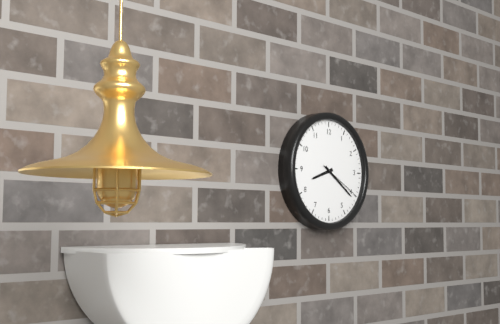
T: 8:21:20
